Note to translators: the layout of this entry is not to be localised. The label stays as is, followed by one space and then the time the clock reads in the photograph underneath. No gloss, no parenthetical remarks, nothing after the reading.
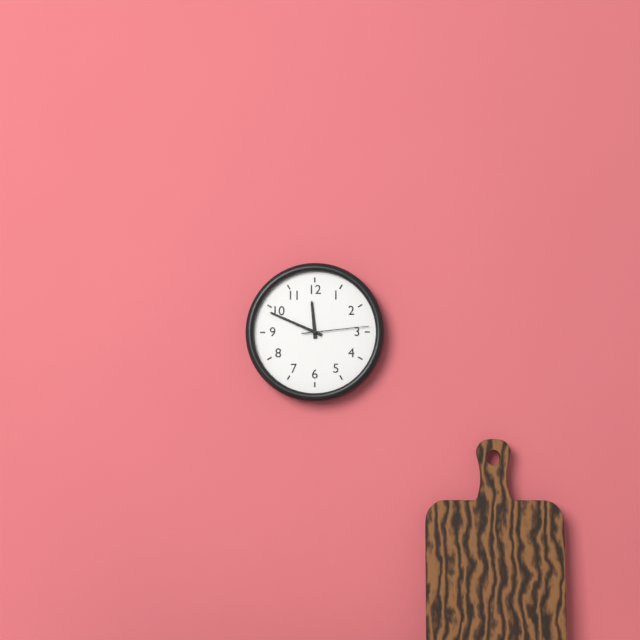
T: 11:49:14
